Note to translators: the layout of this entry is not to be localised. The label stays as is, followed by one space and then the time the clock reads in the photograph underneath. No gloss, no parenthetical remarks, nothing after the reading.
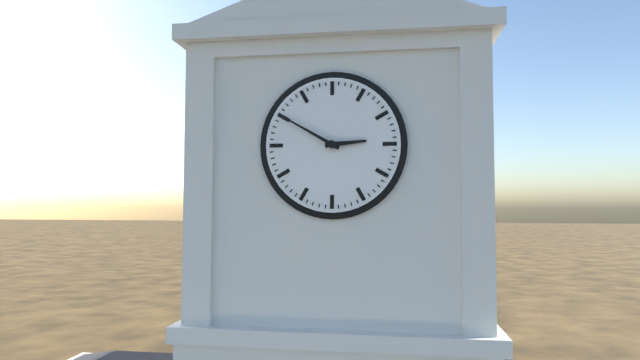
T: 2:50
